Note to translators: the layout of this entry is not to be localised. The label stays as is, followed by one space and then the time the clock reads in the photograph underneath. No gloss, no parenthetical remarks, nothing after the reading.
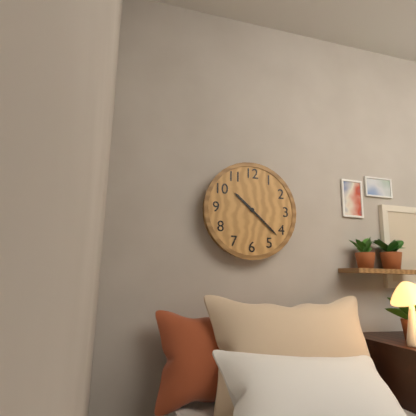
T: 10:22
